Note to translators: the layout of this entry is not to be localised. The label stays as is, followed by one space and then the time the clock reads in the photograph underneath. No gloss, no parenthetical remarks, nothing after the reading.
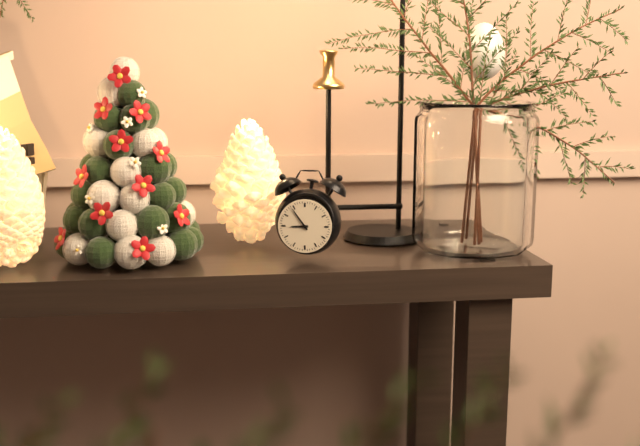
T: 8:54
